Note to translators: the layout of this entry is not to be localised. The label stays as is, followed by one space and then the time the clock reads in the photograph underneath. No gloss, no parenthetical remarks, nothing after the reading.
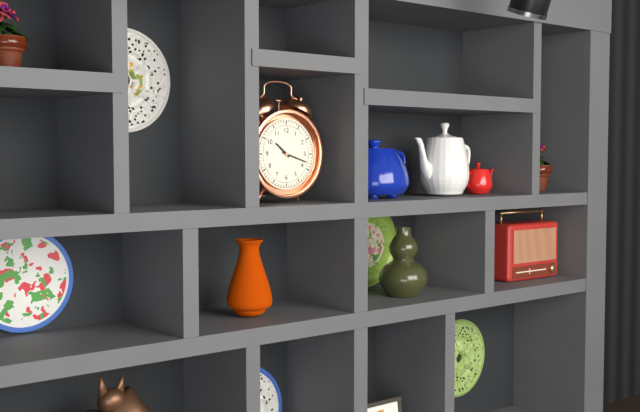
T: 10:18
